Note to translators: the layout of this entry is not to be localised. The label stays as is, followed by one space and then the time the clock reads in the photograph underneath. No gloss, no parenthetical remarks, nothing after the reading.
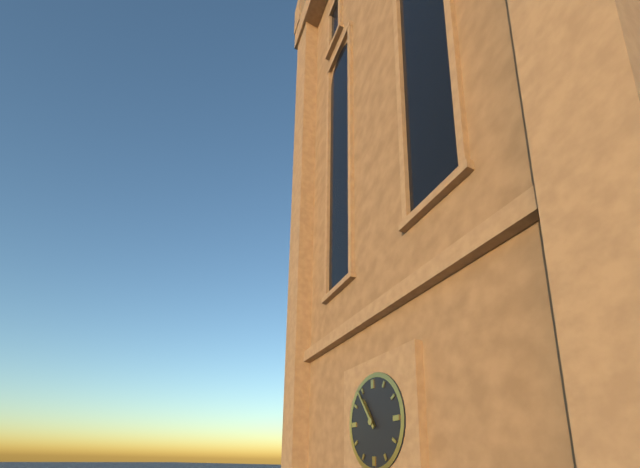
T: 10:54
